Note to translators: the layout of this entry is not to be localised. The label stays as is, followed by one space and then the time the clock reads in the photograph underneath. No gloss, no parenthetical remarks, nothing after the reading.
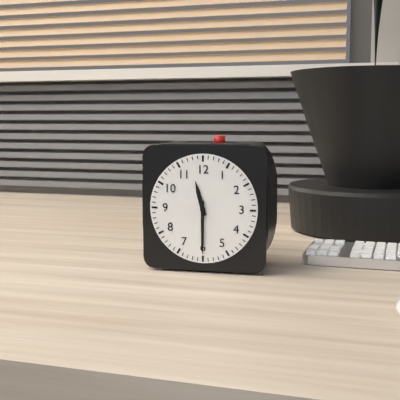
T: 11:30
